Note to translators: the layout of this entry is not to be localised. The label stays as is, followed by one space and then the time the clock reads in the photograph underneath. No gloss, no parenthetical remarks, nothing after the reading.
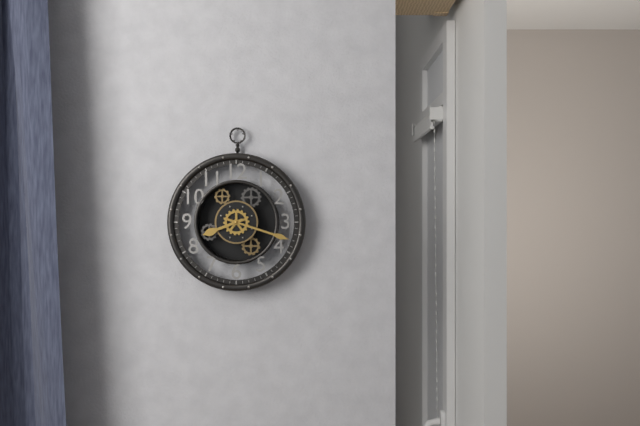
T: 8:18
